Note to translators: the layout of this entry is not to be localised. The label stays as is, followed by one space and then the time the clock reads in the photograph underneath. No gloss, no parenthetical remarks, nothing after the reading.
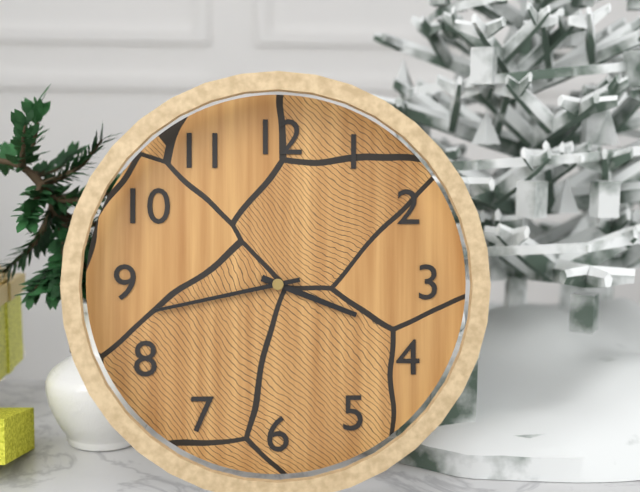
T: 3:43
